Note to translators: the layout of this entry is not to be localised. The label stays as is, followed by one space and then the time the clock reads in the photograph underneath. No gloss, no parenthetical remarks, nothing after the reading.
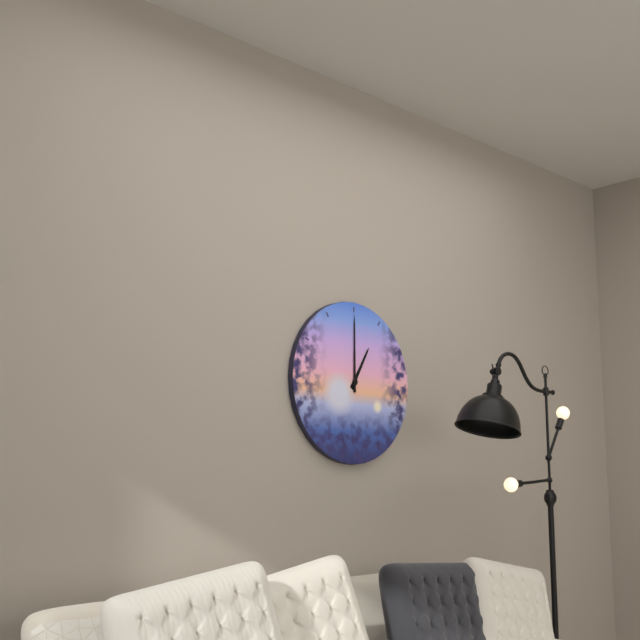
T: 1:00
